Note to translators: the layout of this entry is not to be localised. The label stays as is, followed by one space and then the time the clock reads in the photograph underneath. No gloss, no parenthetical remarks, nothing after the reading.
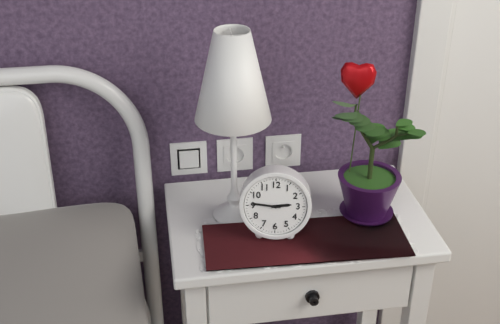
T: 2:46
